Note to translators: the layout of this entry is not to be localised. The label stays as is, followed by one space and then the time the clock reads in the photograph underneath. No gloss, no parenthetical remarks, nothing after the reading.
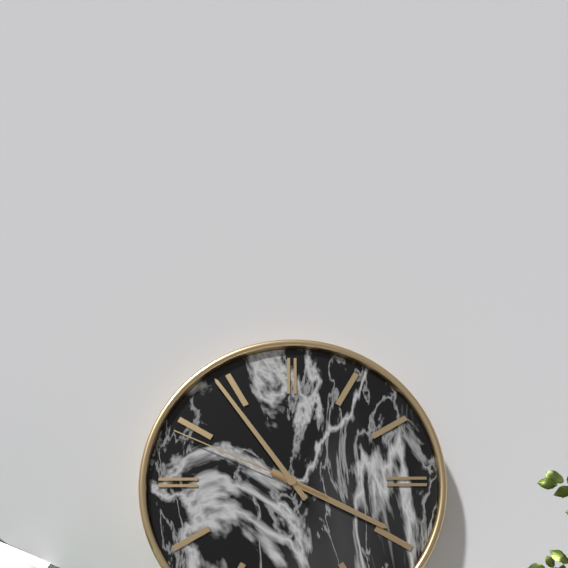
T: 3:54:49
